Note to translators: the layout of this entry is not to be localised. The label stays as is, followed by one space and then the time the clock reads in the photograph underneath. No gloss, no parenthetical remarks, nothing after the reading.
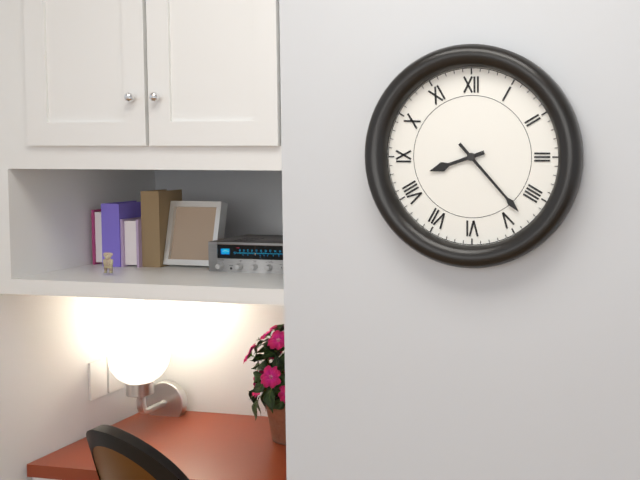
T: 8:23
